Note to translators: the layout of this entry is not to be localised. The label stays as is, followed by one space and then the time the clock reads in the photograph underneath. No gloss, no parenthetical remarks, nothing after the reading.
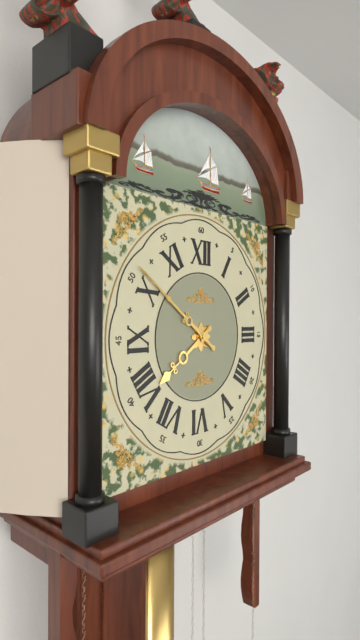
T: 7:51
